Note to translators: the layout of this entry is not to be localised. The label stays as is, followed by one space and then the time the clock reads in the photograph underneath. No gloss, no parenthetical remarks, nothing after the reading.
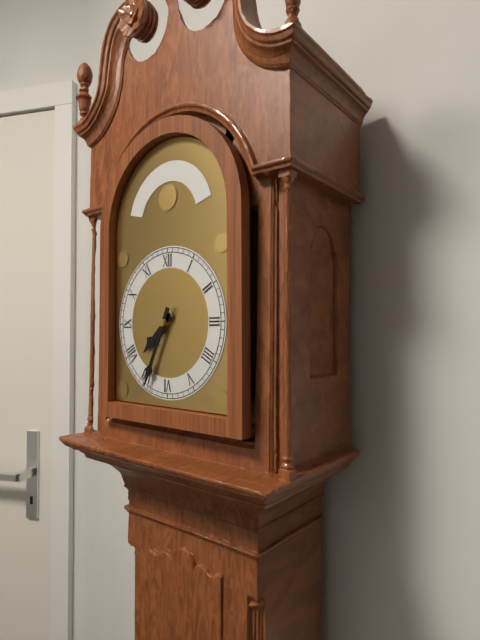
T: 7:34
